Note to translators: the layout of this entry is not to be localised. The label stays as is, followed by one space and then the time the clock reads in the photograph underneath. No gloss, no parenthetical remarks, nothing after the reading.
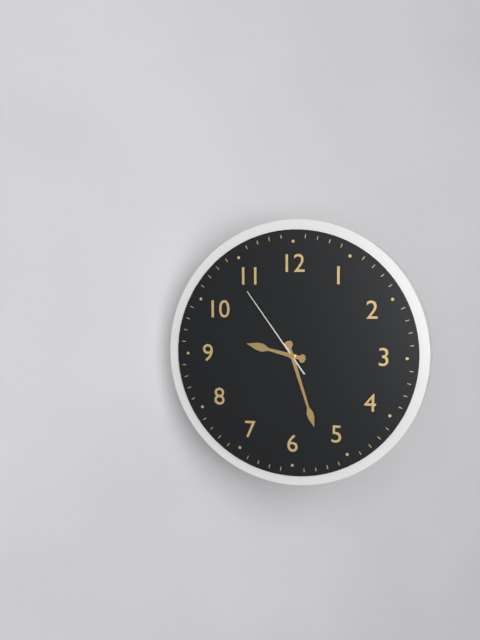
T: 9:27:54
